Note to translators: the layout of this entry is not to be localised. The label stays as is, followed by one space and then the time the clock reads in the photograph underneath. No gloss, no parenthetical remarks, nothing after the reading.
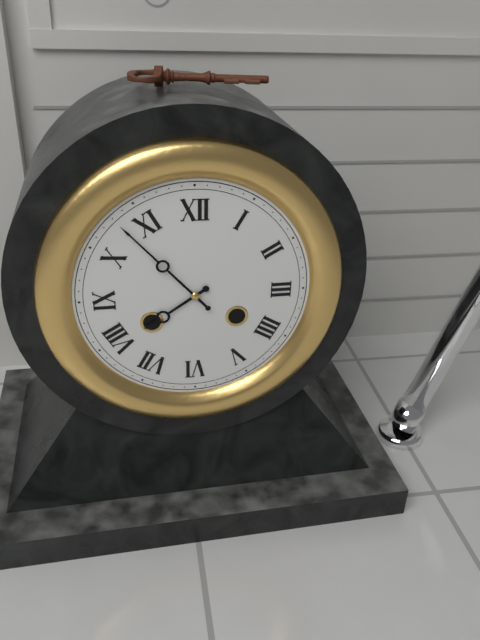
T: 7:53
